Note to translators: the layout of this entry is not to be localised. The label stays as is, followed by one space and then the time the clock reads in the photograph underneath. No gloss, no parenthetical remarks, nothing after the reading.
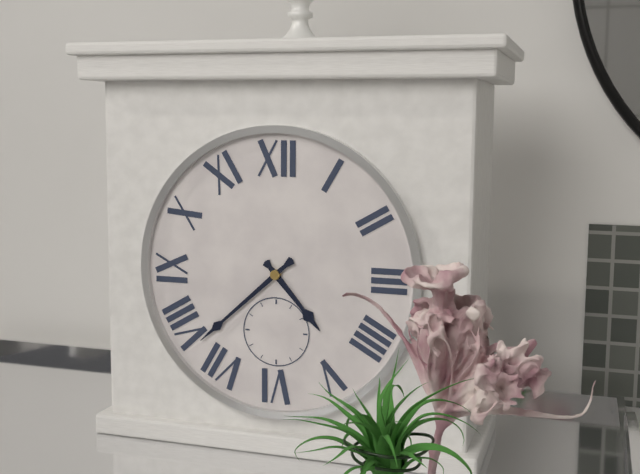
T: 4:38
